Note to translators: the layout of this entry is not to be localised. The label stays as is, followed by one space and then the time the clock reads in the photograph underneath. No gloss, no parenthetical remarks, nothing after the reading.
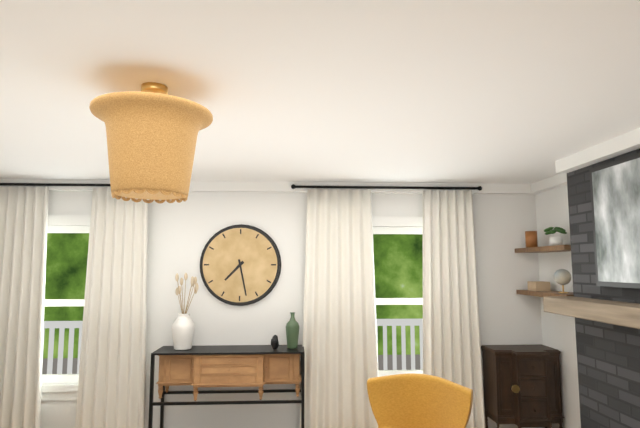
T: 7:28
